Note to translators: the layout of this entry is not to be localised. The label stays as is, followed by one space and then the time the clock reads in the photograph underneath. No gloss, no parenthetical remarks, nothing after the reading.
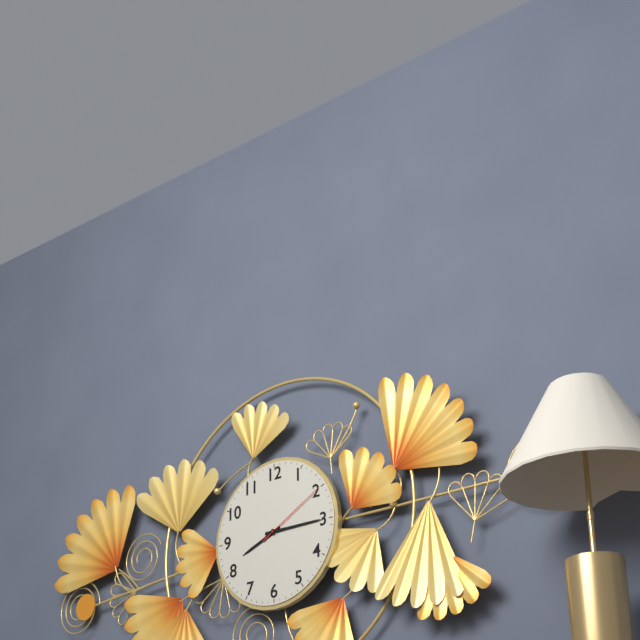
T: 8:15:10
